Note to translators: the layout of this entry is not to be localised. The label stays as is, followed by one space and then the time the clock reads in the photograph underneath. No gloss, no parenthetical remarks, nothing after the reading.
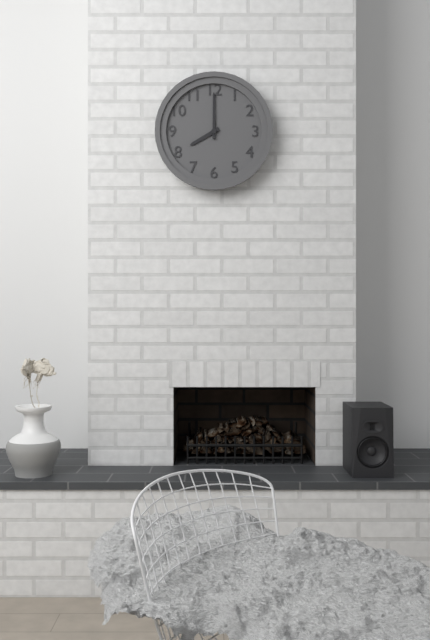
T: 8:00
